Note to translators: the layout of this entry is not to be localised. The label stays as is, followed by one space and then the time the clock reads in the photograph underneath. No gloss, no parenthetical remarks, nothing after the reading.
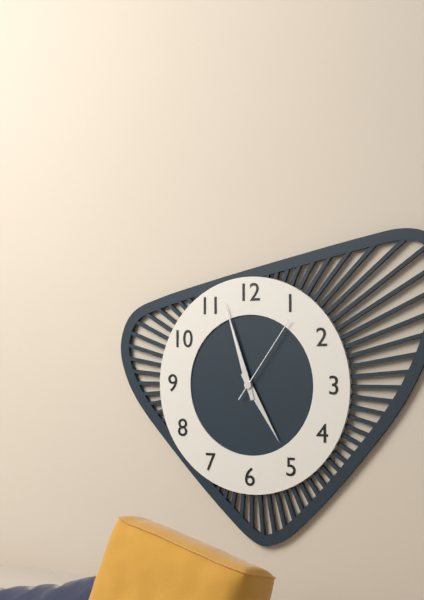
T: 4:57:06
